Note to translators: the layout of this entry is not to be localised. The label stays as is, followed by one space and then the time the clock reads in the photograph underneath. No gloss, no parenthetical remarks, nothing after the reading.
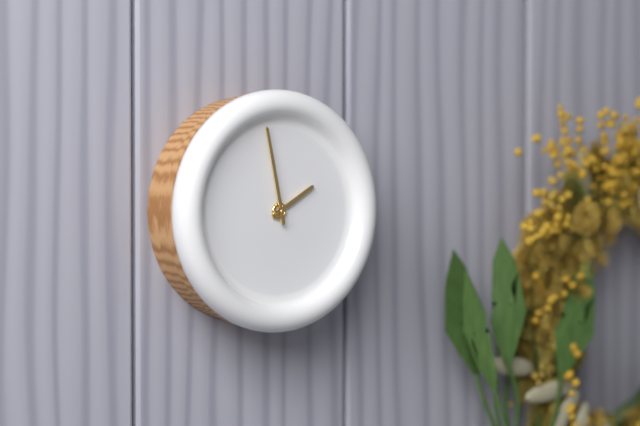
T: 1:58
